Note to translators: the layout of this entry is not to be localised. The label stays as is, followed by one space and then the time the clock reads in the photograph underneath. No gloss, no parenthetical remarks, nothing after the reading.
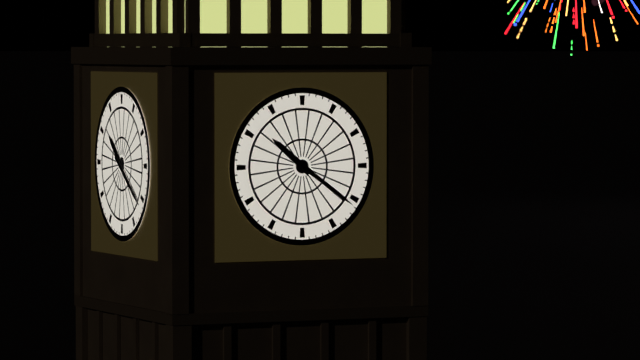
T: 10:21
